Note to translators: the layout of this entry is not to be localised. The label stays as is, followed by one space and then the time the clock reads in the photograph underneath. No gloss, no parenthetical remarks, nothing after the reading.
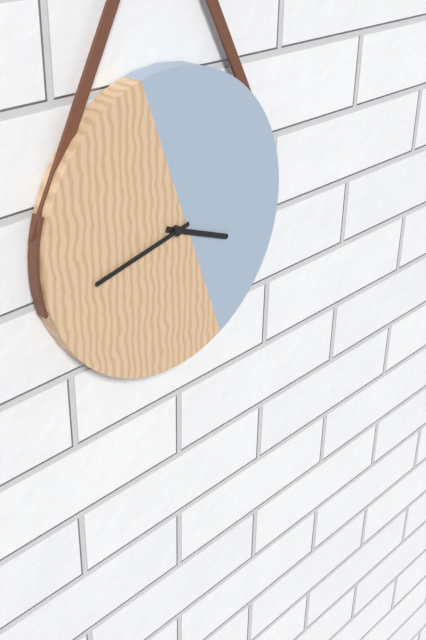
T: 3:43
